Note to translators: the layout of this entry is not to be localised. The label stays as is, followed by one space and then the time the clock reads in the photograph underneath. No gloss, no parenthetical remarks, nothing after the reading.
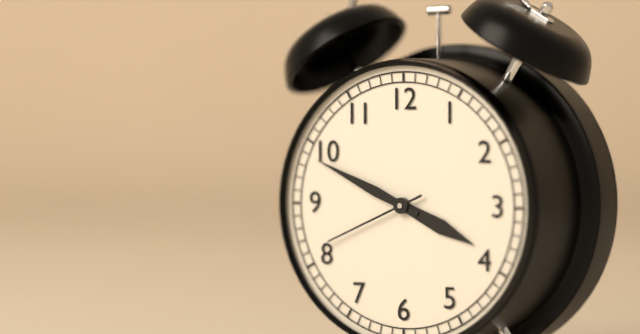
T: 3:49:41
